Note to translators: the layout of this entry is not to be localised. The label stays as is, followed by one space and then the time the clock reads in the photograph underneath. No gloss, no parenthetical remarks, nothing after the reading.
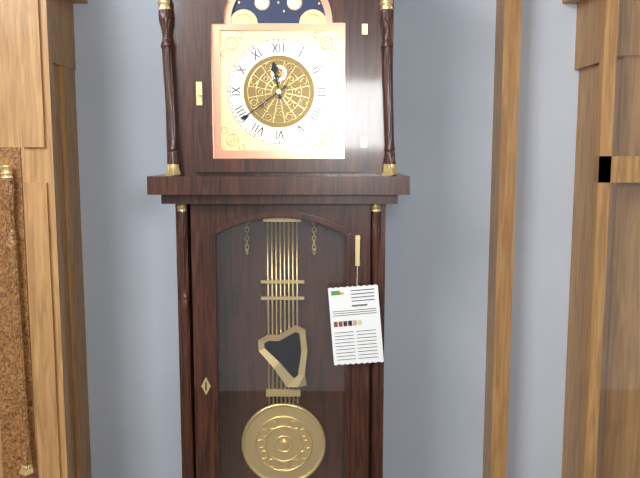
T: 11:39
